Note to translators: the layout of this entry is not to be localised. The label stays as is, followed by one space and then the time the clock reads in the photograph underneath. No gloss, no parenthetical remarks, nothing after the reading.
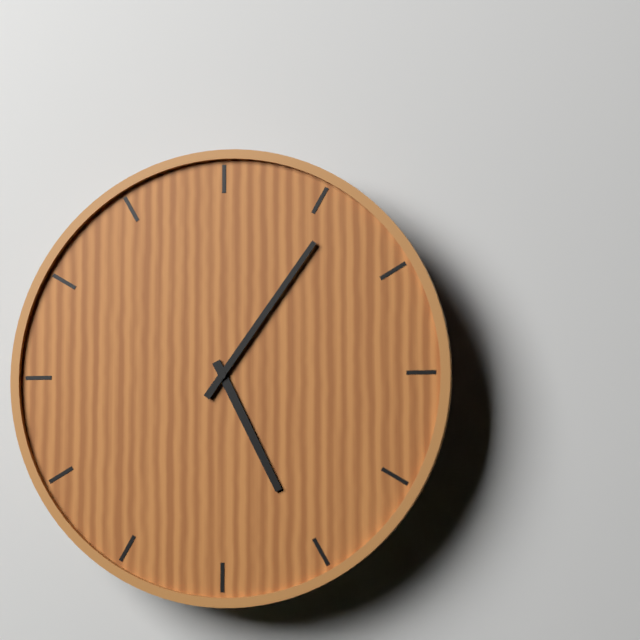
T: 5:06
